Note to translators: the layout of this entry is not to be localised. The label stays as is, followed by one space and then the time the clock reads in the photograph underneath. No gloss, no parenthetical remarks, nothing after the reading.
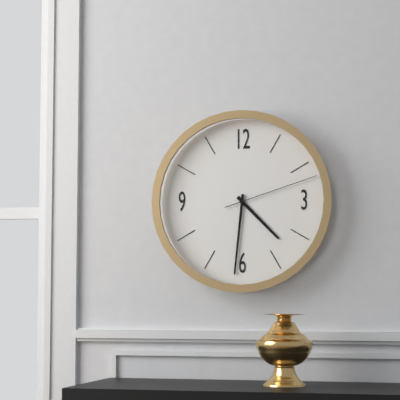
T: 4:31:12
